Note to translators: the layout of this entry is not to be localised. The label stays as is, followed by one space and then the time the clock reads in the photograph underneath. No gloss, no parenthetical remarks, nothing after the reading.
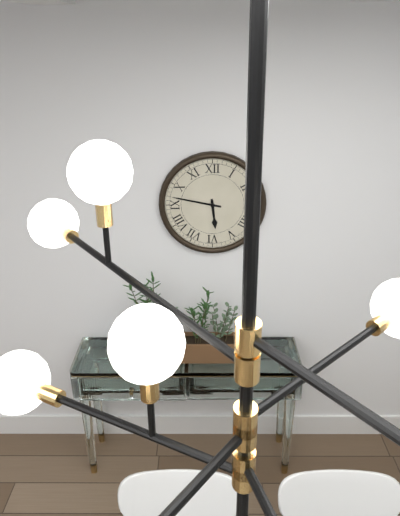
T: 5:47
